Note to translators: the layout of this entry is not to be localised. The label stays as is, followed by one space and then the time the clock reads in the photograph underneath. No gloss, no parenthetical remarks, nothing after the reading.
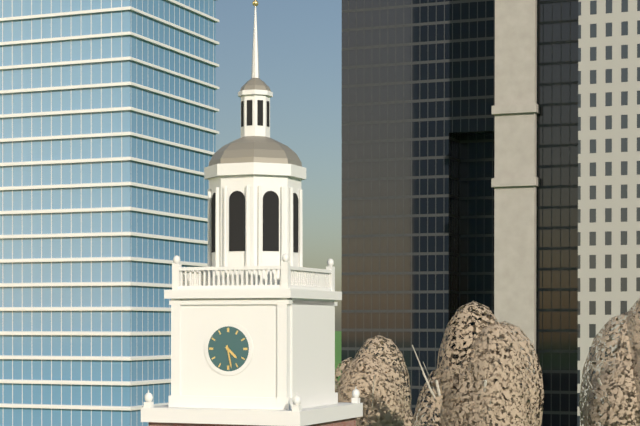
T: 4:28
